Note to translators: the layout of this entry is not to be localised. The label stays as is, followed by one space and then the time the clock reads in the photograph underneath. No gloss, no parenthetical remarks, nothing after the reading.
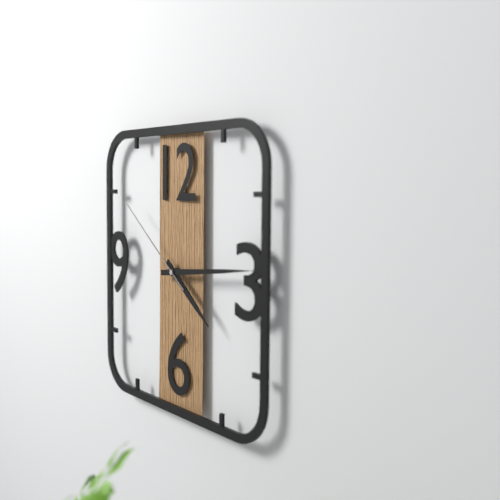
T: 4:14:51
